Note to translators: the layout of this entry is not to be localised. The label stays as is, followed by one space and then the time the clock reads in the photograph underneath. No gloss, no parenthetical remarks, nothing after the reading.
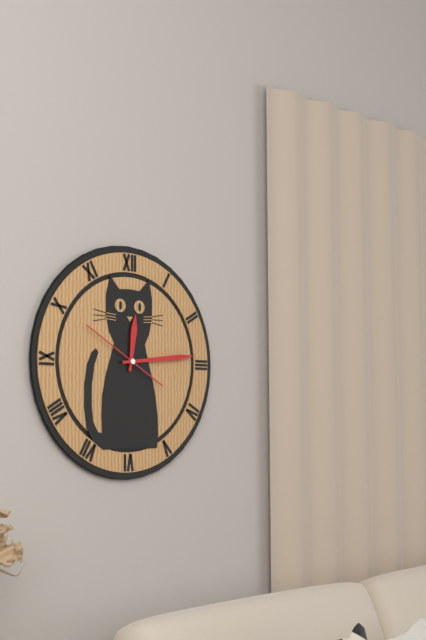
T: 12:14:50
